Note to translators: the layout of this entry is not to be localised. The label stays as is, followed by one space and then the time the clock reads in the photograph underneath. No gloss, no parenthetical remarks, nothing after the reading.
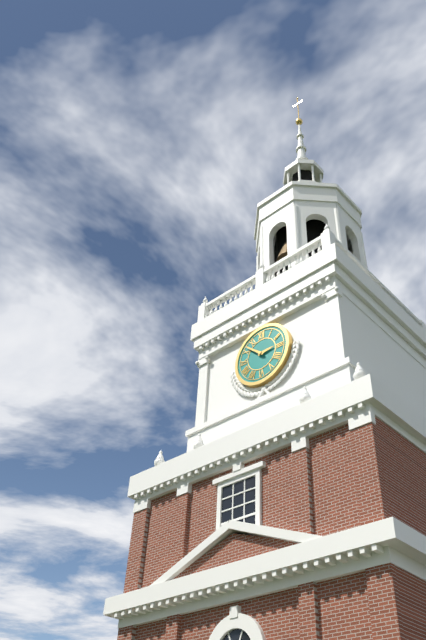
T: 2:52
